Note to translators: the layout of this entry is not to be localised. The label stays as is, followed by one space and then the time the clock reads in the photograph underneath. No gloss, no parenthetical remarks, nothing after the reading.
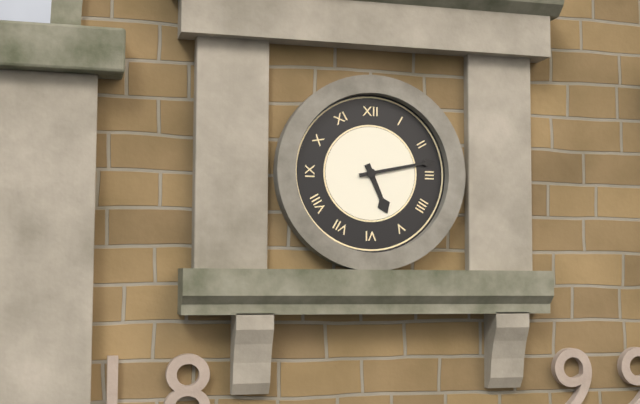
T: 5:13
